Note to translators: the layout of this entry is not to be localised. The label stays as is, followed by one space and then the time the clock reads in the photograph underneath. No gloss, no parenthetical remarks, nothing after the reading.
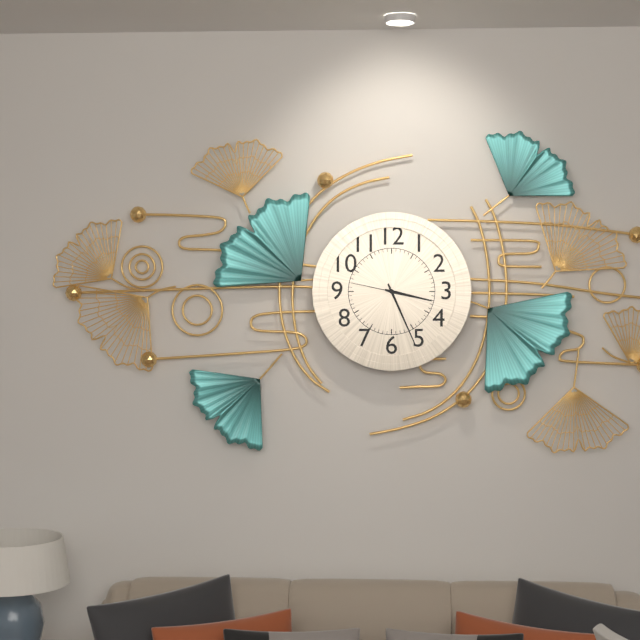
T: 3:26:47
